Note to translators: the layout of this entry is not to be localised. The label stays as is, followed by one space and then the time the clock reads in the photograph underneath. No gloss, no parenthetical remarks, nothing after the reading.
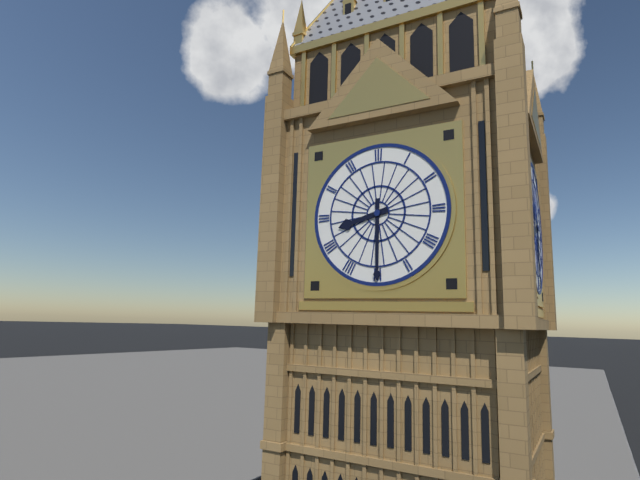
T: 8:30
